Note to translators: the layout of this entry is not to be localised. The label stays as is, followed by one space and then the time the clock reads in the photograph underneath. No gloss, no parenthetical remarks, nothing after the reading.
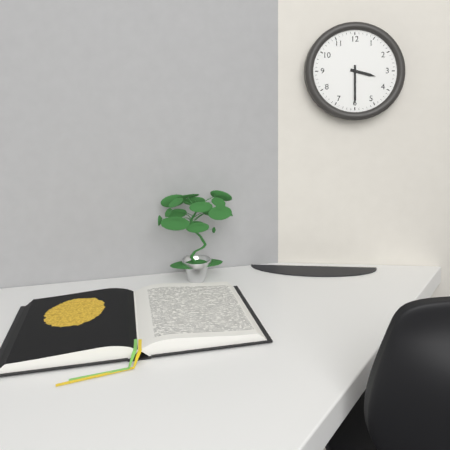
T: 3:30
